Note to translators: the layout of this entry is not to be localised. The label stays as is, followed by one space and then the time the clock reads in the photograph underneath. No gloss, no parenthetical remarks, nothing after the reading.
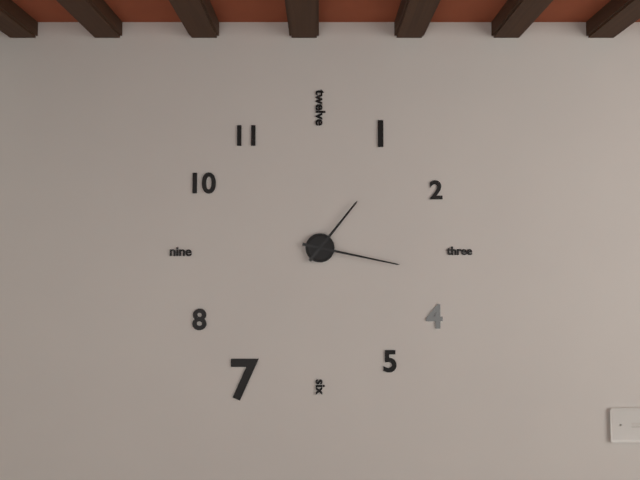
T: 1:17
